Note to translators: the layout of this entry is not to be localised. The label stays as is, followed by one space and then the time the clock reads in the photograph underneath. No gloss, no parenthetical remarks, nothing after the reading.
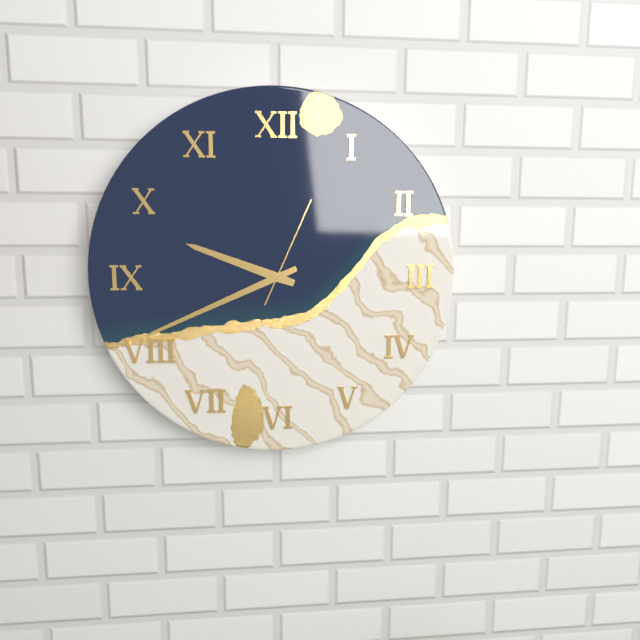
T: 9:41:04
